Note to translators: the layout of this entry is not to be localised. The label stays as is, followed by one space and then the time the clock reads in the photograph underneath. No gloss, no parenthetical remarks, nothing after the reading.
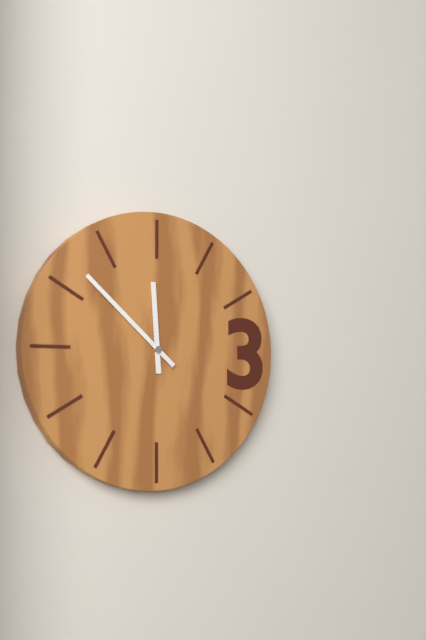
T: 11:52
